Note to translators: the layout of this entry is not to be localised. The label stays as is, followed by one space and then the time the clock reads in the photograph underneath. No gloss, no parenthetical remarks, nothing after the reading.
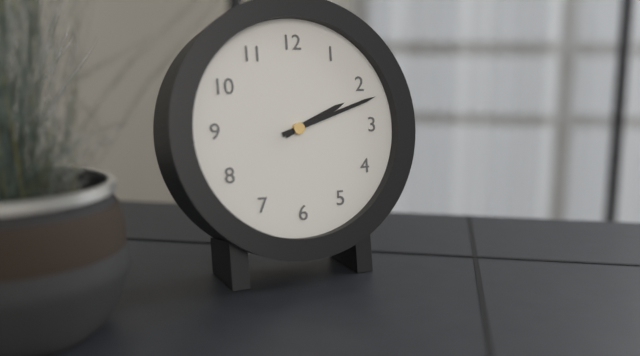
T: 2:12
